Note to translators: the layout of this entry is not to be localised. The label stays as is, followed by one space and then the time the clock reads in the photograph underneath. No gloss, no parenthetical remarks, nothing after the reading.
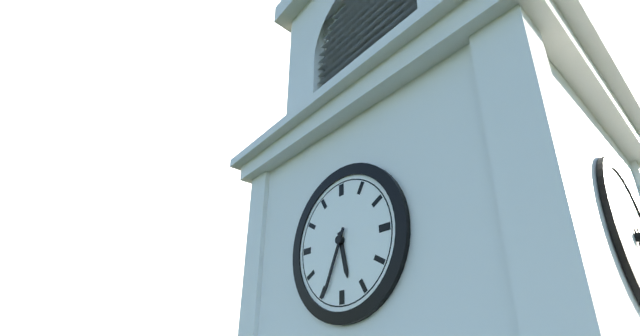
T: 5:34
